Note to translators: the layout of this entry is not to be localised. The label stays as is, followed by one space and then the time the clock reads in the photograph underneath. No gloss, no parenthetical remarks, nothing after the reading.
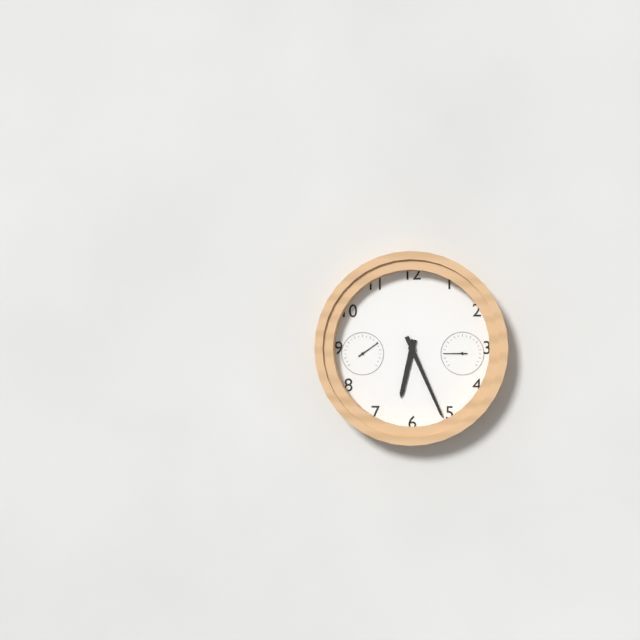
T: 6:26
